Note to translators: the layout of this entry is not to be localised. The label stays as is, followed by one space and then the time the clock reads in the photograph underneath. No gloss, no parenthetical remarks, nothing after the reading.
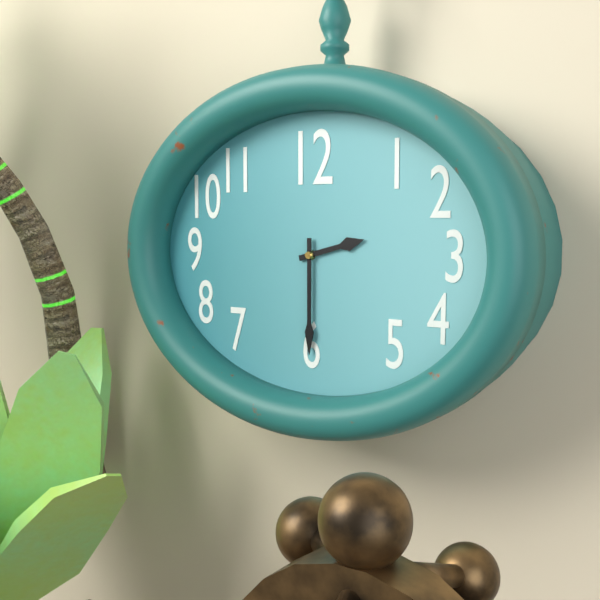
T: 2:30
